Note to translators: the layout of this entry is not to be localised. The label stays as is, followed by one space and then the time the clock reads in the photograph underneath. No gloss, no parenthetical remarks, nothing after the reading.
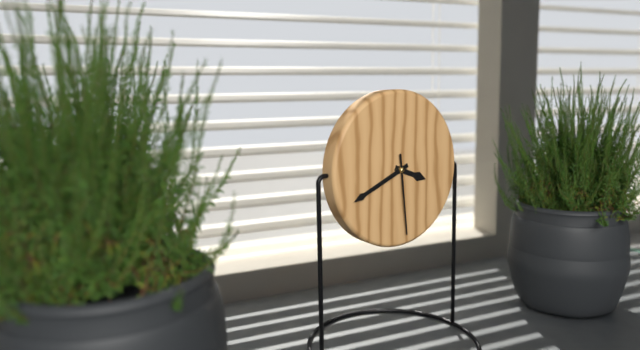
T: 3:41:29
